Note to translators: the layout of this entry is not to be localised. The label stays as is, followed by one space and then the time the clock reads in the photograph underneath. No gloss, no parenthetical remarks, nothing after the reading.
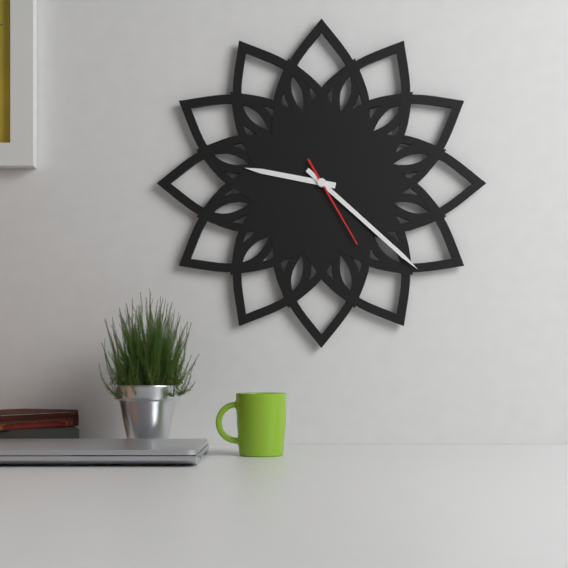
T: 9:22:25
